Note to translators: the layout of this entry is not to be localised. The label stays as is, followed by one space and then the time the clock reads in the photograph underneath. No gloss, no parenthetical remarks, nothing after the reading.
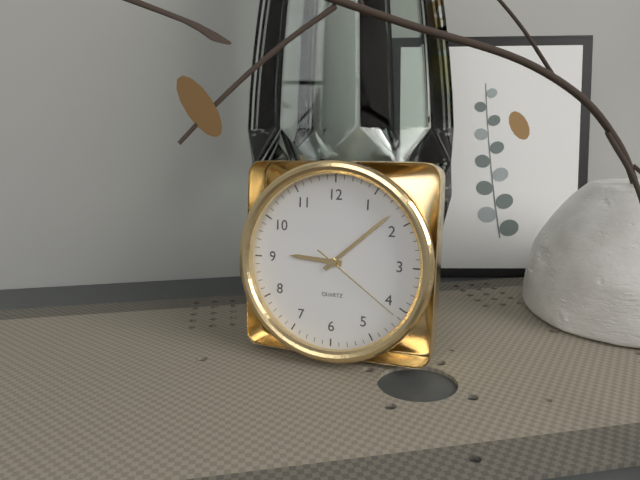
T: 9:08:21
